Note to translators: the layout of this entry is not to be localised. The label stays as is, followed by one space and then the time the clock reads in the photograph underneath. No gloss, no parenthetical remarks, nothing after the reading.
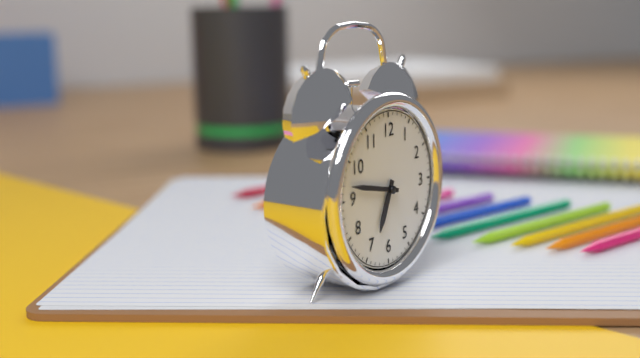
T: 6:47
